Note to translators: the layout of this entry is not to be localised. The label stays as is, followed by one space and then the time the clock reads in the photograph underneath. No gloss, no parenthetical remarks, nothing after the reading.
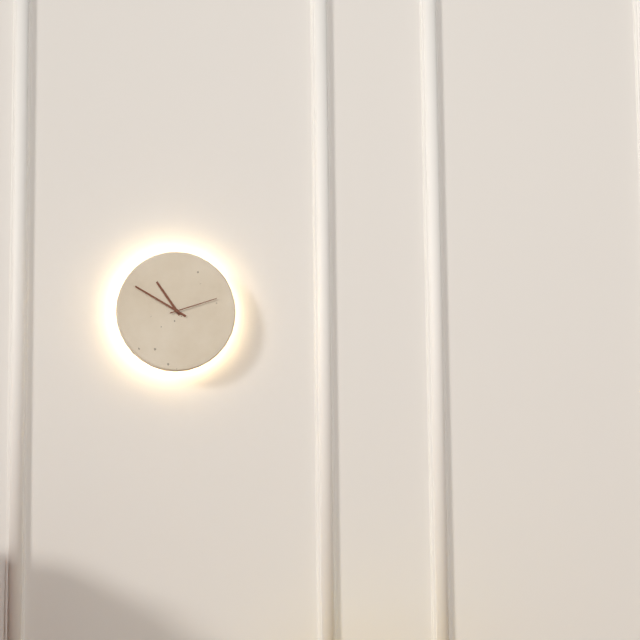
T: 10:50:12
